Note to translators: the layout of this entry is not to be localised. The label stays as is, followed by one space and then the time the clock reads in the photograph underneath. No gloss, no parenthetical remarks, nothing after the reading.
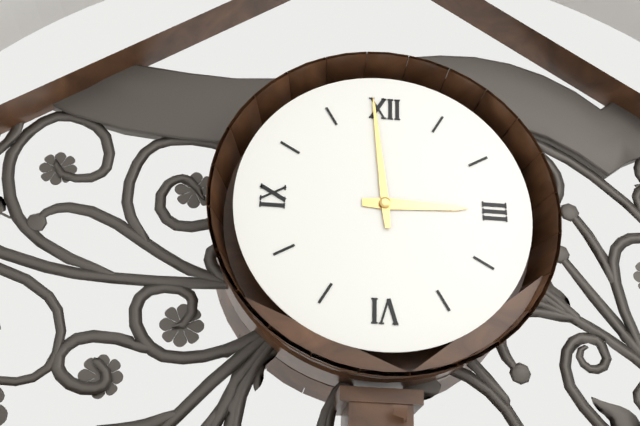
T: 2:59
